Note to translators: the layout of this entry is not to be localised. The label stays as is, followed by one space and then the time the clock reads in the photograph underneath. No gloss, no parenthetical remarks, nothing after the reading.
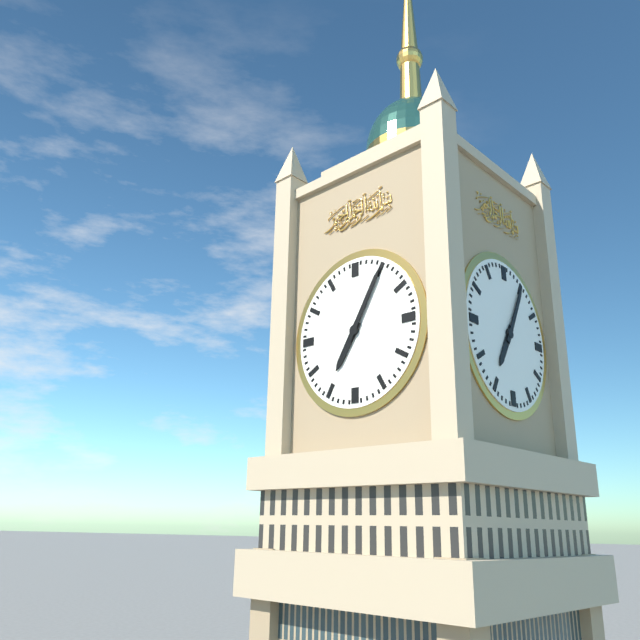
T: 7:05
